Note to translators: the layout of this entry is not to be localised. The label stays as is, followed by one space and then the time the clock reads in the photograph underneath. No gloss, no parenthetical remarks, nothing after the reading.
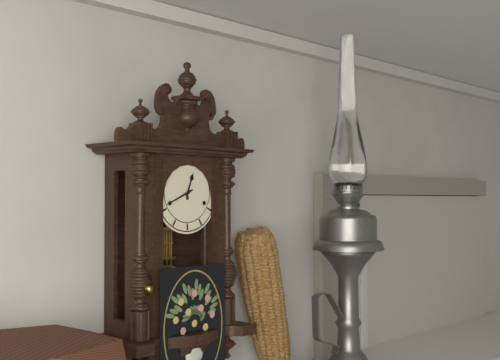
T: 12:41
